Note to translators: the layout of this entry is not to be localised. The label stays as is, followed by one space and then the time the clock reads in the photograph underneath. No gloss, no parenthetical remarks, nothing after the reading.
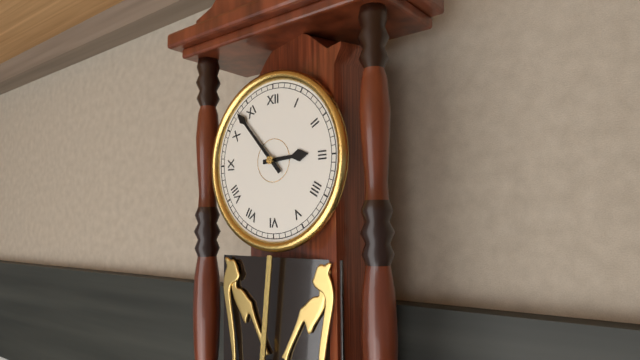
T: 2:53
